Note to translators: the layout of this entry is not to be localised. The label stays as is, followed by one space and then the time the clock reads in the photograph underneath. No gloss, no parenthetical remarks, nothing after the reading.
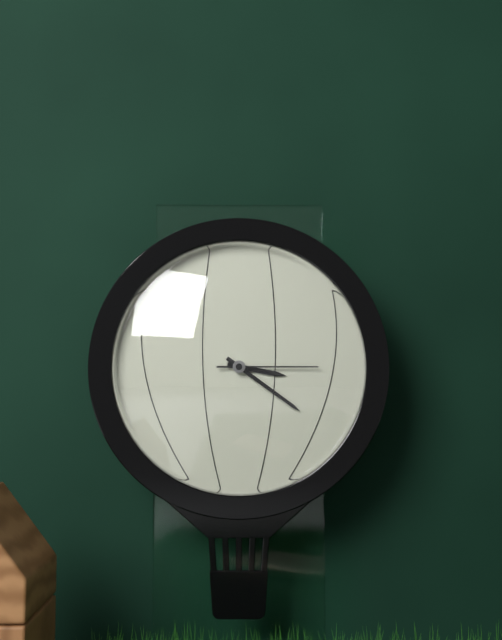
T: 3:21:15
